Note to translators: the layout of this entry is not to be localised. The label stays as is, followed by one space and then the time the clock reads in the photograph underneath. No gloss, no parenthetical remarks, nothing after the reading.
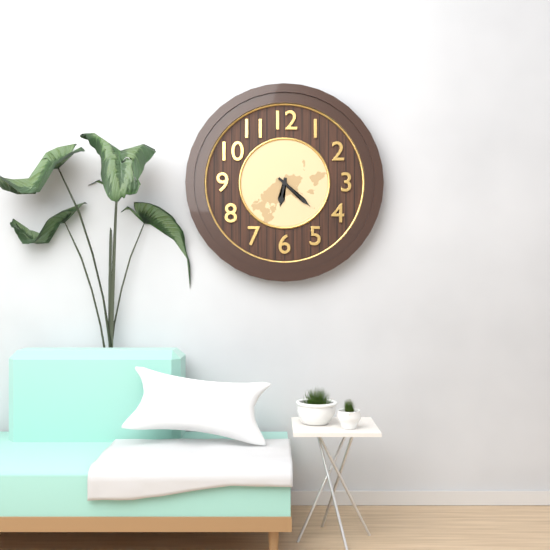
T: 6:22
